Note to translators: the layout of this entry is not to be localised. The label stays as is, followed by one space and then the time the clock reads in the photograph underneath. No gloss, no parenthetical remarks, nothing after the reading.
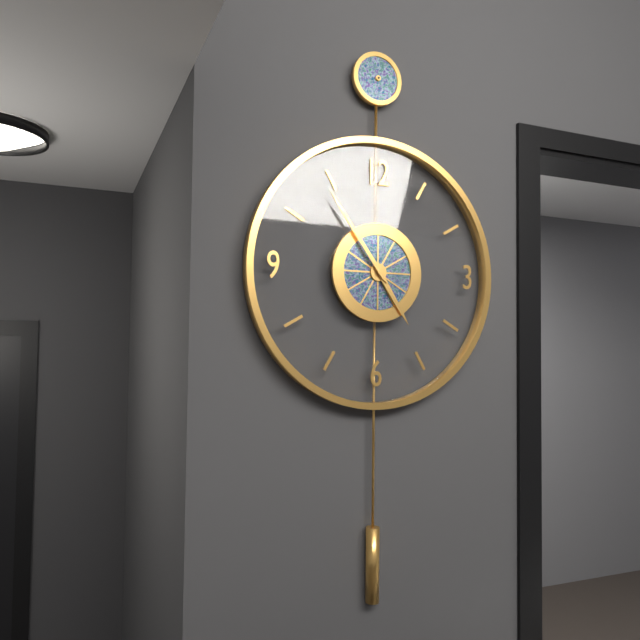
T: 4:54
